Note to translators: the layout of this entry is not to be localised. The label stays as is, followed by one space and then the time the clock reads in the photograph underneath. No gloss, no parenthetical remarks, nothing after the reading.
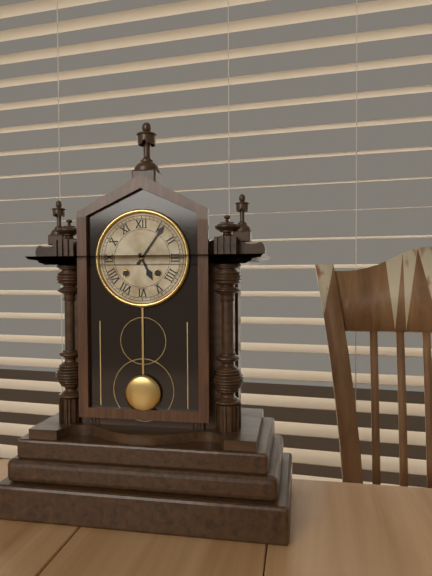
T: 5:06
